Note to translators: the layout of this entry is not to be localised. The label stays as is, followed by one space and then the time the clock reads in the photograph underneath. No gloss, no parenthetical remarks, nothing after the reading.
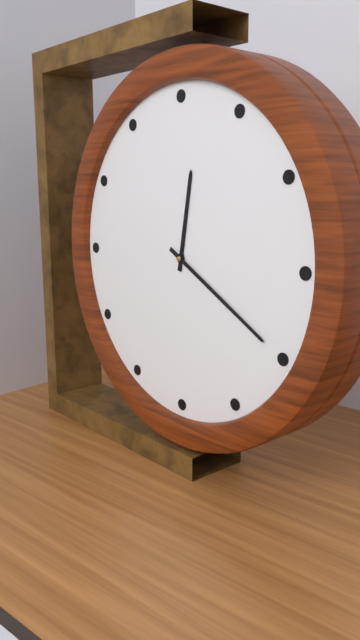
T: 12:20
